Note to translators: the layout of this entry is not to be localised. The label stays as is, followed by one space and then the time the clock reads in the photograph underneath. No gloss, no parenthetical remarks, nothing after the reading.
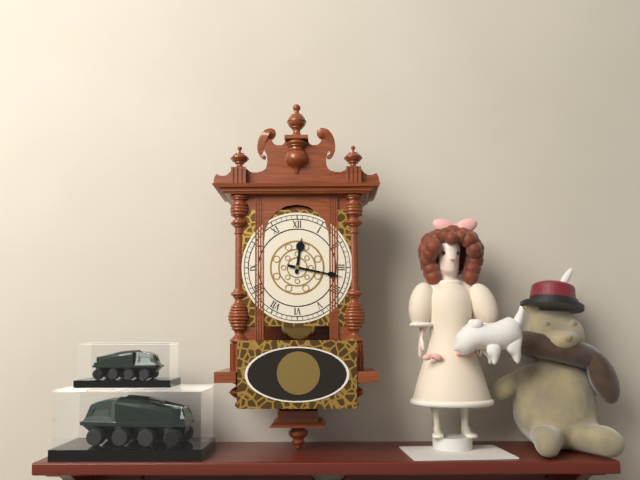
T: 12:17
